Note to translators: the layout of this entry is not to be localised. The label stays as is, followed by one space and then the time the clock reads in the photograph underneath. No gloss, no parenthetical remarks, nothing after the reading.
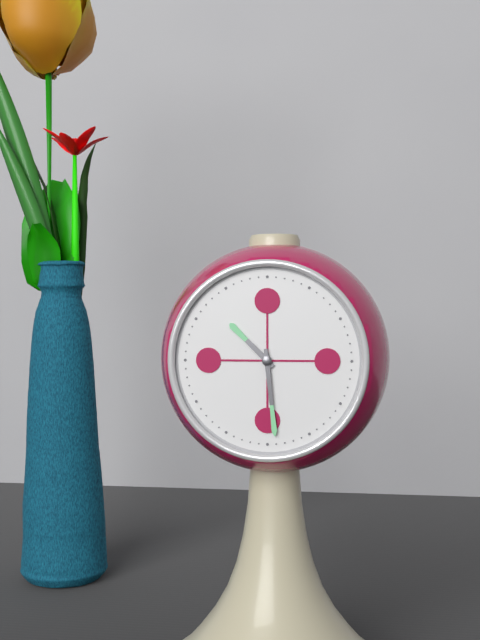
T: 10:29
